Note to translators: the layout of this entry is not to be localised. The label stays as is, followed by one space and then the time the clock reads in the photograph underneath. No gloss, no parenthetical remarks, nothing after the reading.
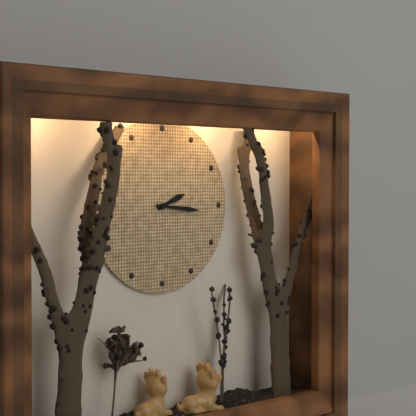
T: 2:16
